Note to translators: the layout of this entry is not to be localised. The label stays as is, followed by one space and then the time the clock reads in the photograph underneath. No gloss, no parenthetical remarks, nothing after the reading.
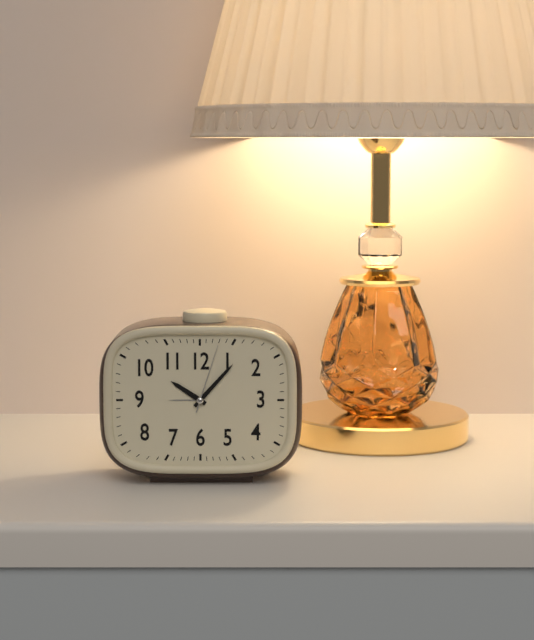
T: 10:07:03
